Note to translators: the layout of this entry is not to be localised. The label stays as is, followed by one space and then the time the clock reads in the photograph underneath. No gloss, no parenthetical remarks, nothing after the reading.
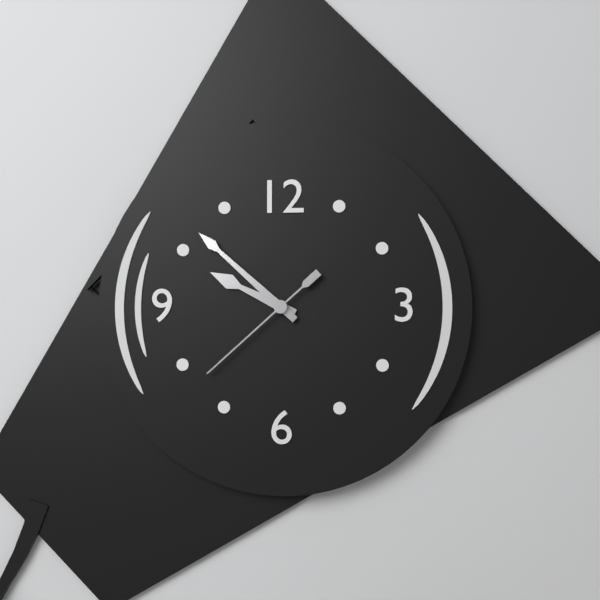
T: 9:52:38
